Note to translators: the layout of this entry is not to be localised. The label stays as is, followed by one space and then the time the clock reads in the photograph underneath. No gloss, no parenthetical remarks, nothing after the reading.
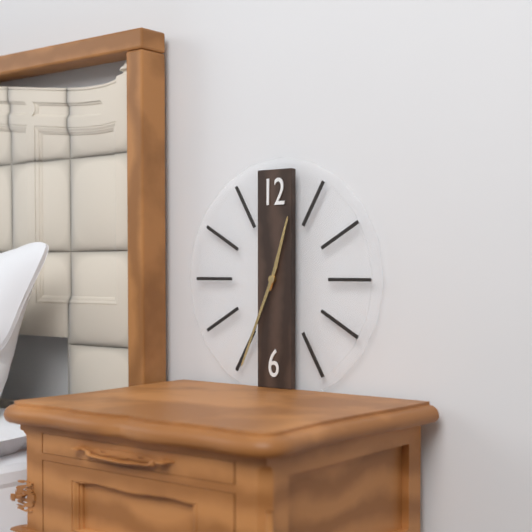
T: 12:34
